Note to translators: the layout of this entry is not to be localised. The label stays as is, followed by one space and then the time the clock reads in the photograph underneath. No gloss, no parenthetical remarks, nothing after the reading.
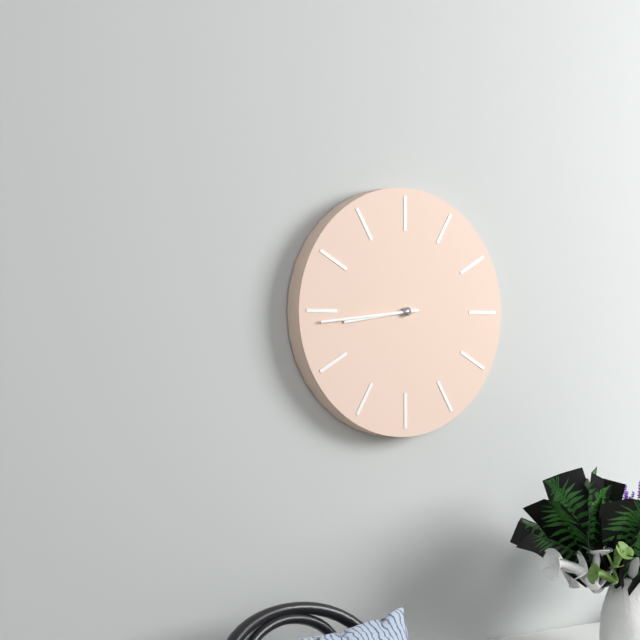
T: 8:44
